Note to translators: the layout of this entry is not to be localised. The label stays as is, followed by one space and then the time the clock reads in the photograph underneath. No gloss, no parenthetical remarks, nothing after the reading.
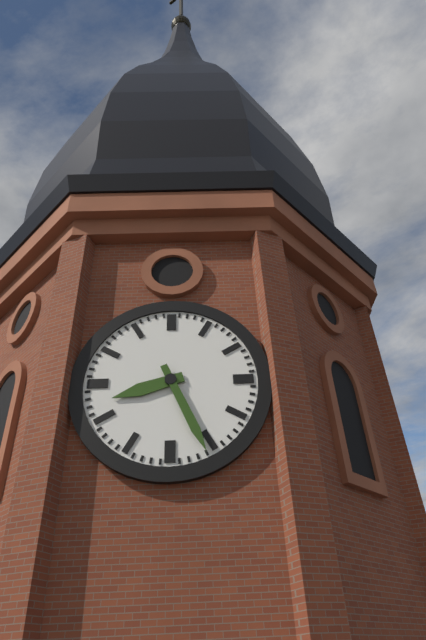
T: 8:26
